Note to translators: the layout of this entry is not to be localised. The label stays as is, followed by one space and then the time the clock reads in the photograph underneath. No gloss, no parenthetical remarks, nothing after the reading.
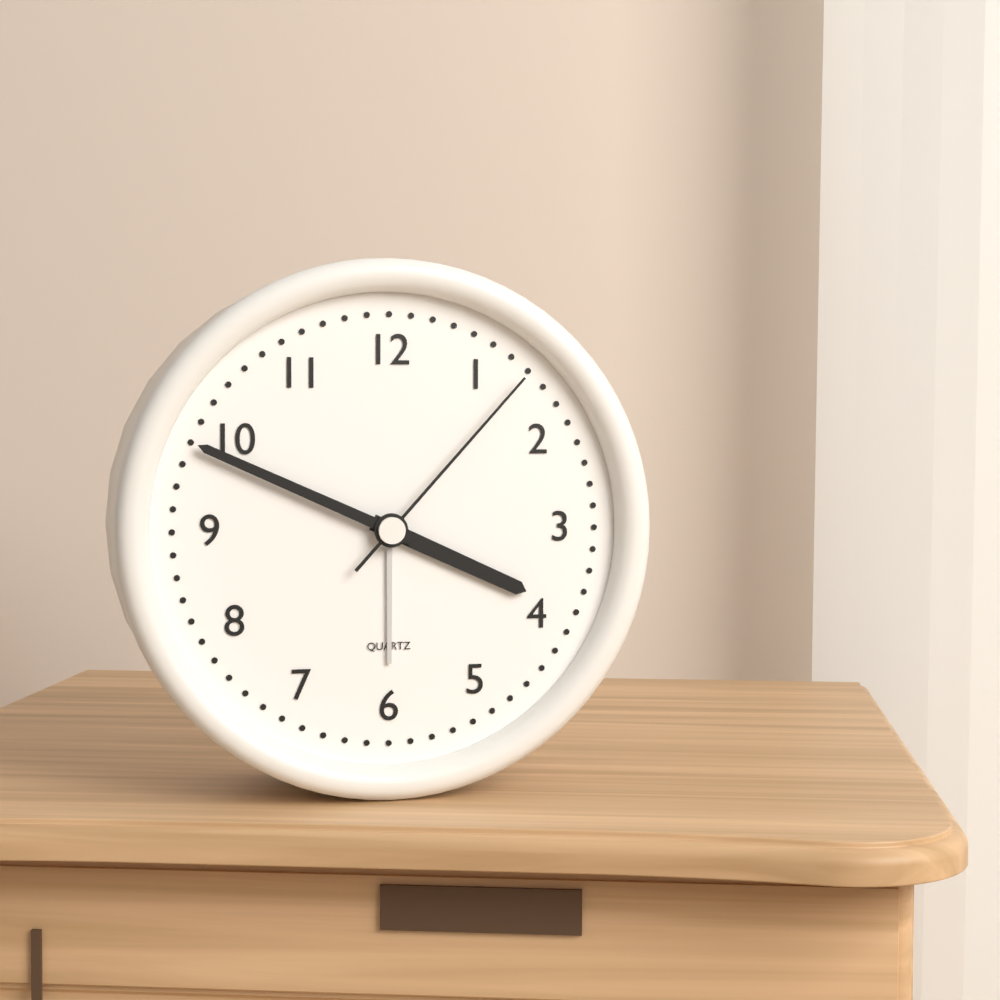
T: 3:49:07
